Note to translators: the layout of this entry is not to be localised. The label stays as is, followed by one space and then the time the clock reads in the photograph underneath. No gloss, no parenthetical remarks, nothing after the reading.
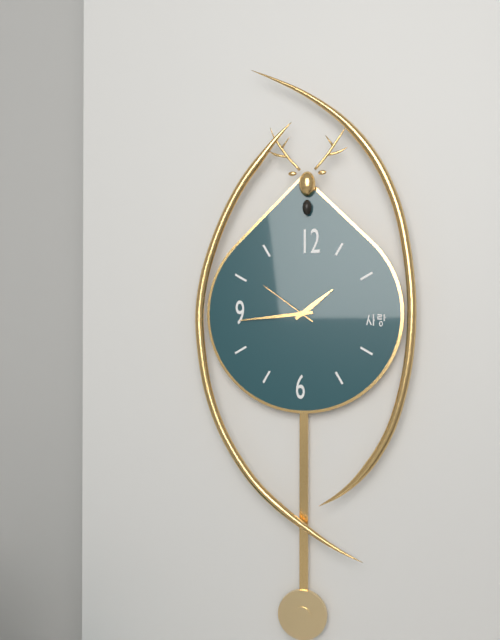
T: 1:44:51
